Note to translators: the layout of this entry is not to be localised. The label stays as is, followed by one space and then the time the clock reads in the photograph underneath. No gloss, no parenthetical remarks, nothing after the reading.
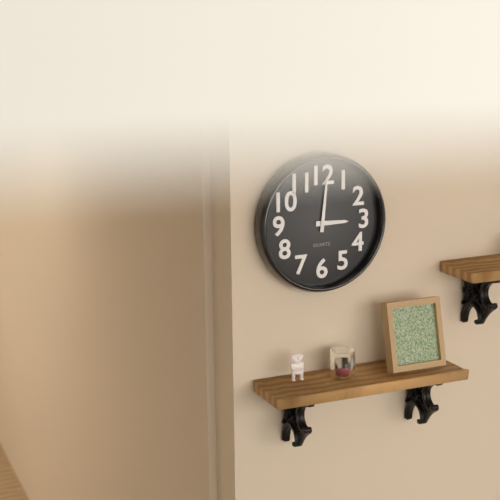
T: 3:01
